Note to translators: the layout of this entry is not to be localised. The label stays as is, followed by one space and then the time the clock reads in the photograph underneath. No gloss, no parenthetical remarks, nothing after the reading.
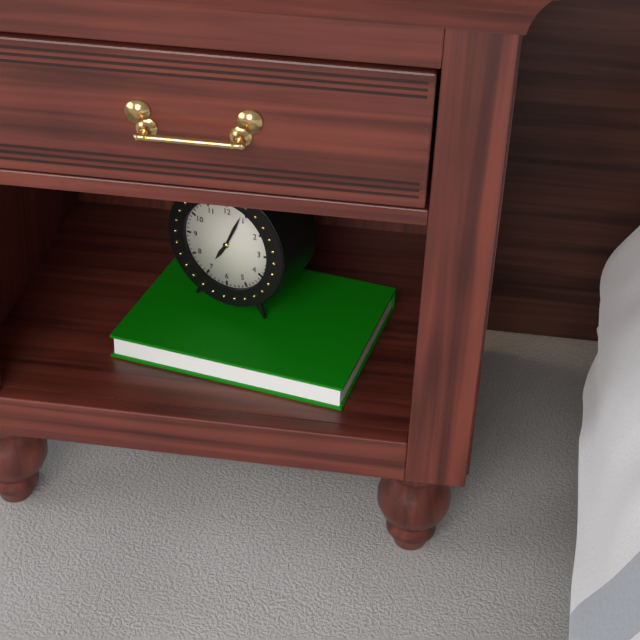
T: 7:04
